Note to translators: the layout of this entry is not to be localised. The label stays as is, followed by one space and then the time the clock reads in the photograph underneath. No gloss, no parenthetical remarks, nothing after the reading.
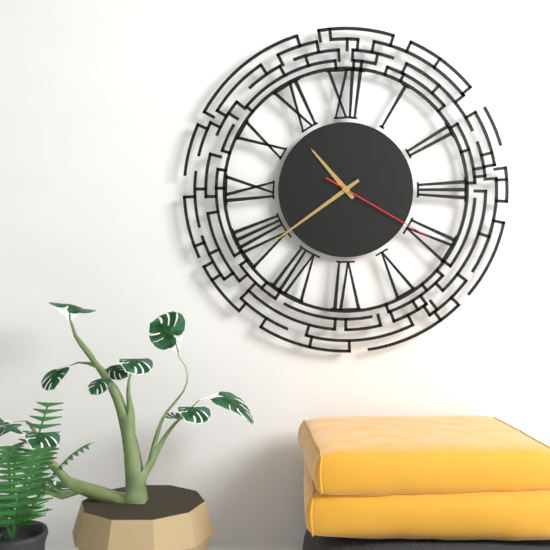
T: 10:39:20
